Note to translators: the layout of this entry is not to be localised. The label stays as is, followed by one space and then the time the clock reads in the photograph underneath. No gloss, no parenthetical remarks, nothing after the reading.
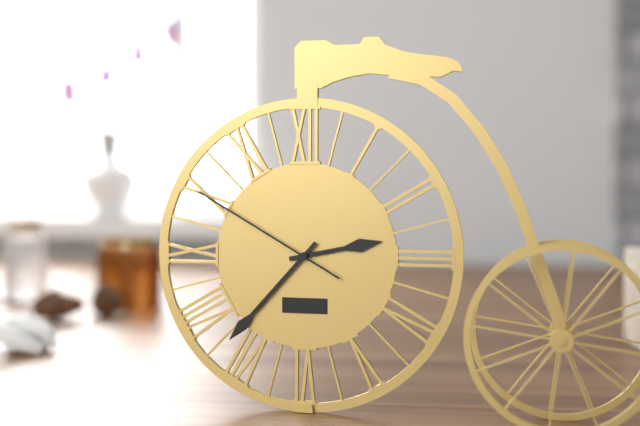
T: 2:37:50
